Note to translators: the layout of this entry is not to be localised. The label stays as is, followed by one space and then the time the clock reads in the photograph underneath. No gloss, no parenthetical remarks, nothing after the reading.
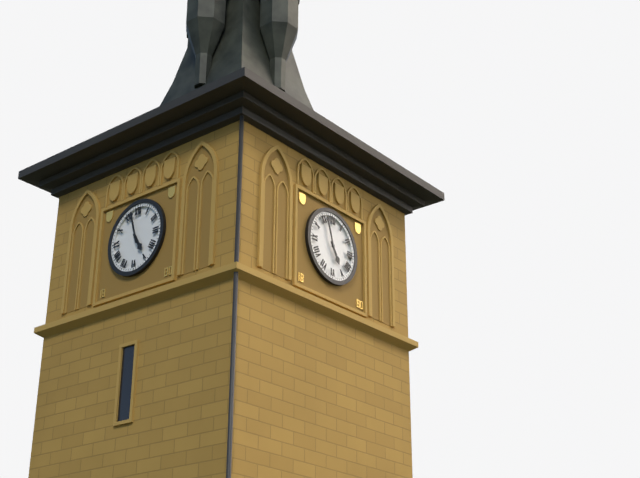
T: 4:57
